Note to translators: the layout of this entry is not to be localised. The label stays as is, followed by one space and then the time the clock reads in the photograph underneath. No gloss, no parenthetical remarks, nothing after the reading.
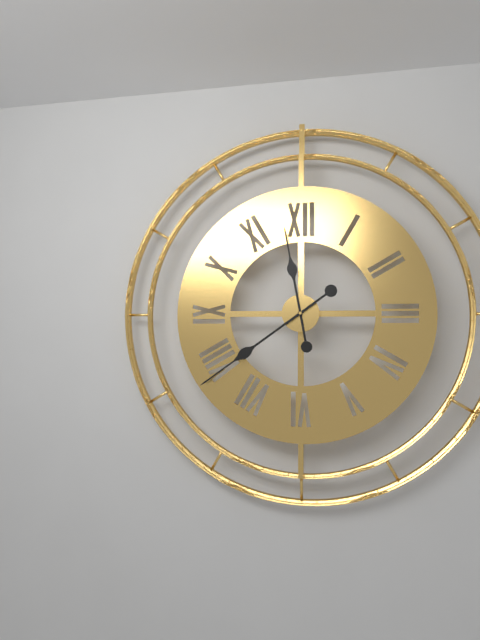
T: 11:39
